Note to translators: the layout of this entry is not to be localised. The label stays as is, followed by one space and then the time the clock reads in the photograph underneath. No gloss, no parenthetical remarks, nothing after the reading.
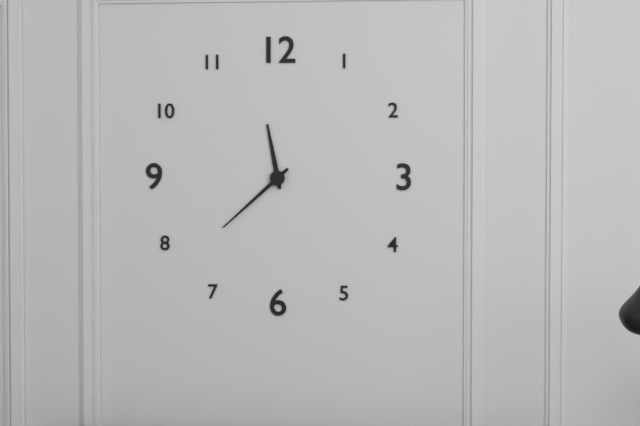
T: 11:38
